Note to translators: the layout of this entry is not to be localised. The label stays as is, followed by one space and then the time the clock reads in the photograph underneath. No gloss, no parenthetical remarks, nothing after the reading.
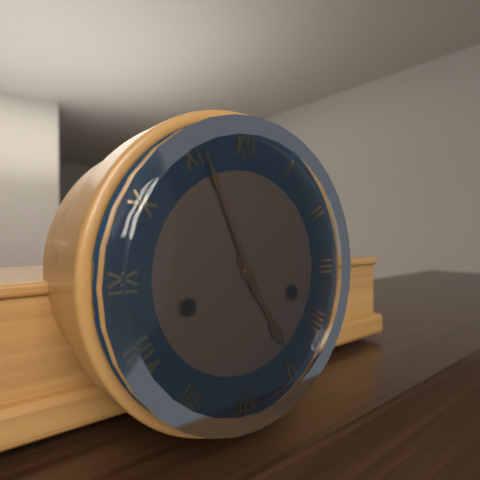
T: 4:56
